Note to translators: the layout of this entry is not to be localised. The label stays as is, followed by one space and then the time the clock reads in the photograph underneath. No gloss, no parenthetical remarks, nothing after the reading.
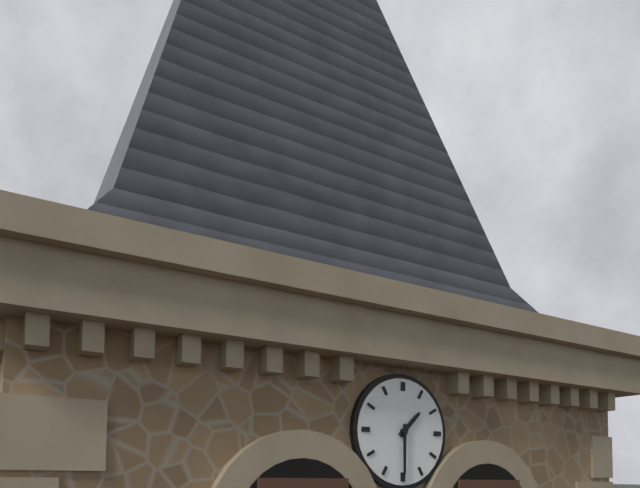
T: 1:30
